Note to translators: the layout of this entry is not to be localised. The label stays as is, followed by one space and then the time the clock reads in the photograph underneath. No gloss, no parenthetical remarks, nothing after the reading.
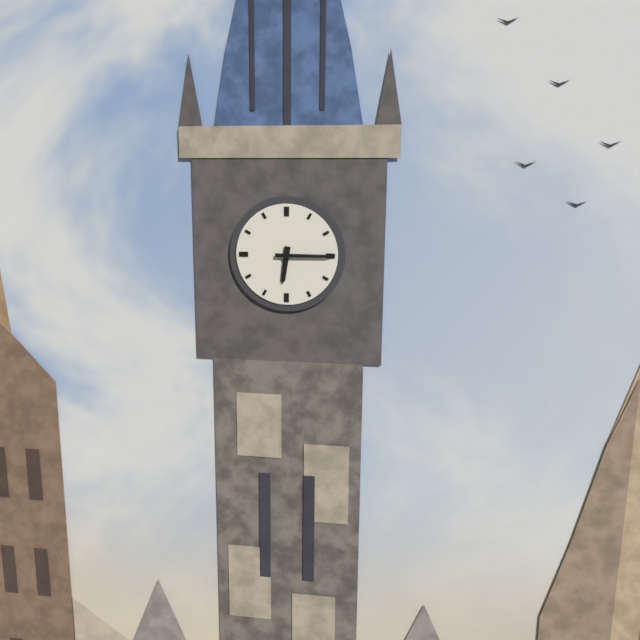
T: 6:15
